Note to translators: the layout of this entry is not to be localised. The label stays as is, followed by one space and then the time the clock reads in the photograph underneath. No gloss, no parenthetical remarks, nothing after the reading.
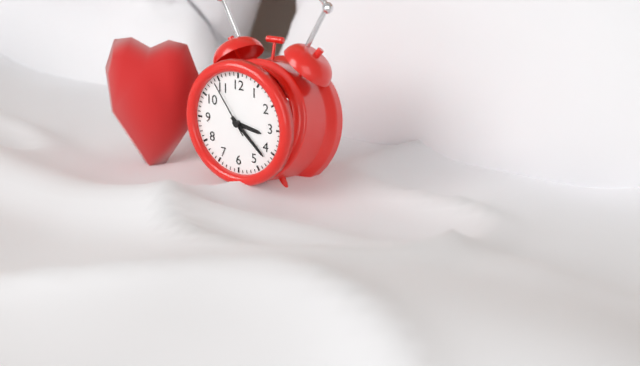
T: 3:22:54
